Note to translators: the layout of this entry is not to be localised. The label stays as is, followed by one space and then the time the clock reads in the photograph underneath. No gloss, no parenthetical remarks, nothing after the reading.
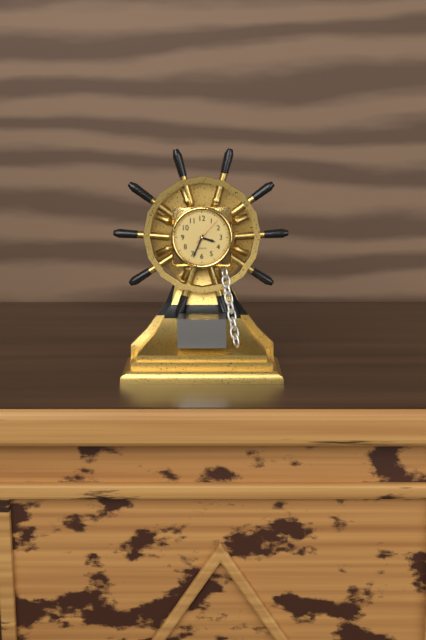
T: 3:34
